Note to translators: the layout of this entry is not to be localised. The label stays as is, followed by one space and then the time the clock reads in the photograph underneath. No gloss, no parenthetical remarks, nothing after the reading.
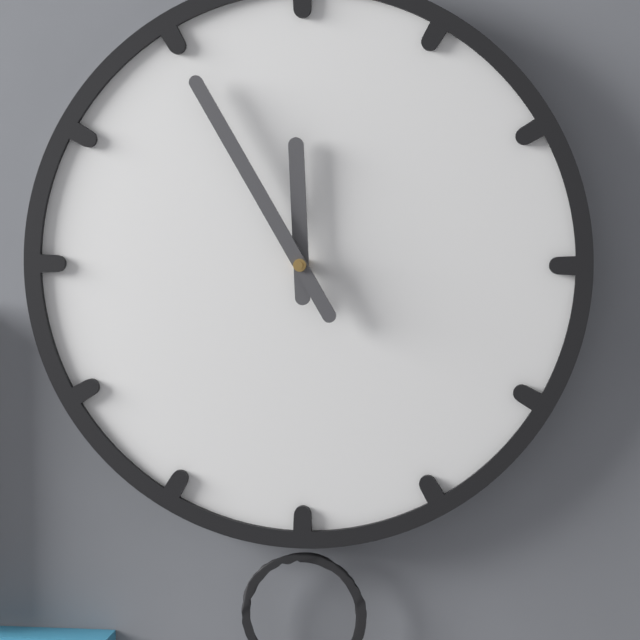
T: 11:55
